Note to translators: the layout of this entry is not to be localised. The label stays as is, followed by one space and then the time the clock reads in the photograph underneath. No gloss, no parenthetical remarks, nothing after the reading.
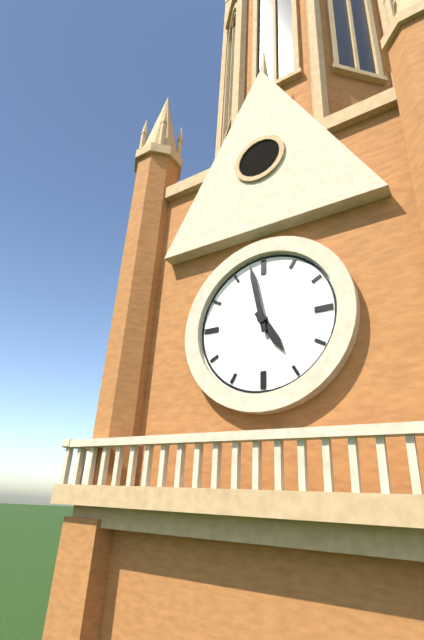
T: 4:58
